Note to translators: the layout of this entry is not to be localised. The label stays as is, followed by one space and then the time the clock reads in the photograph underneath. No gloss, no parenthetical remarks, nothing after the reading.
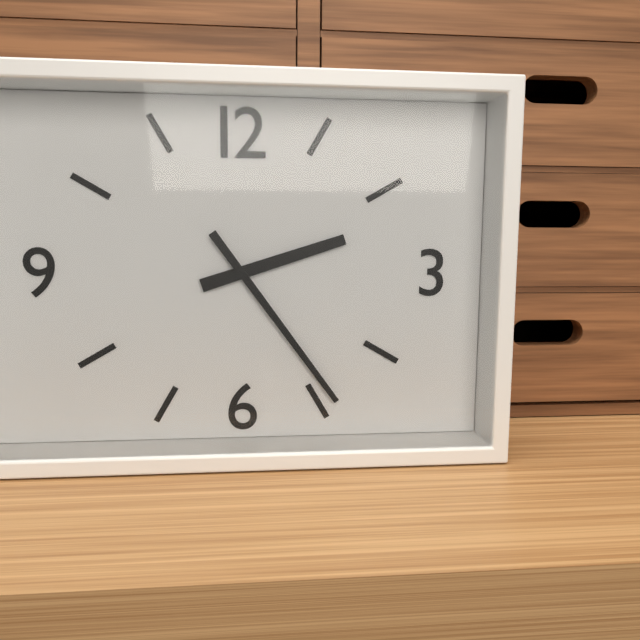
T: 2:24
